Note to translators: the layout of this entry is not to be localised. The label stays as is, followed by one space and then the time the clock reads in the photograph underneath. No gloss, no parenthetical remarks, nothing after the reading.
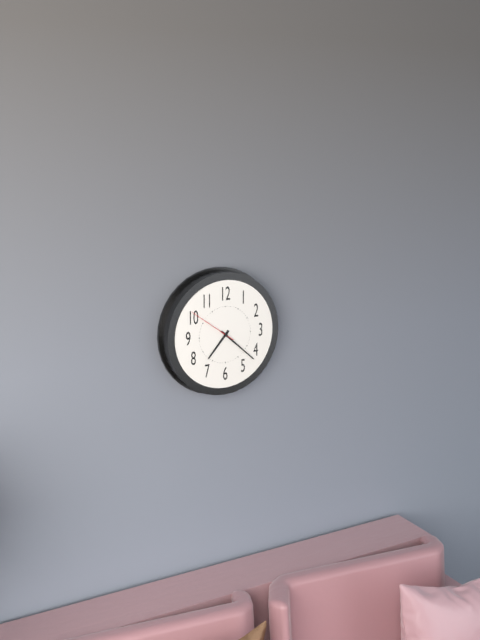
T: 7:22:51
